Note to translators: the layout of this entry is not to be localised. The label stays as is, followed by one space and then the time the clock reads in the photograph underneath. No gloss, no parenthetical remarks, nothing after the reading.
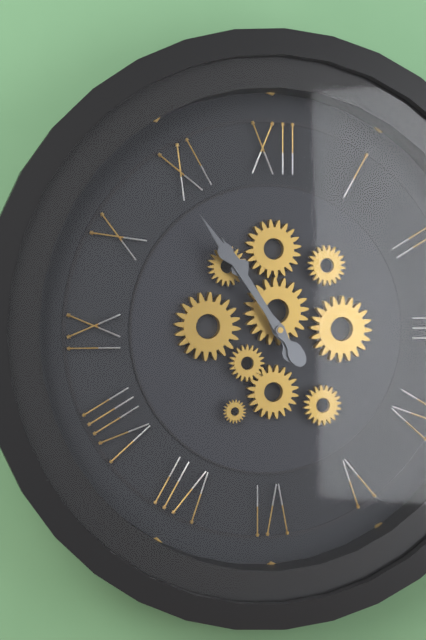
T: 10:54
